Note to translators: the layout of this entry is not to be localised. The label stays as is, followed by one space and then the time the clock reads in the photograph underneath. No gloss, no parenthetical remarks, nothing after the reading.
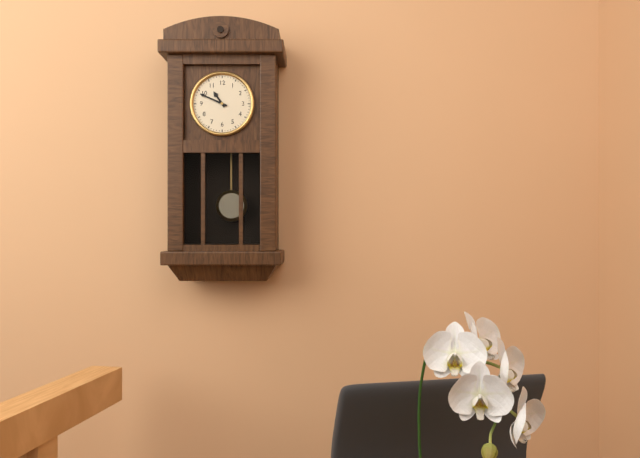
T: 10:49
